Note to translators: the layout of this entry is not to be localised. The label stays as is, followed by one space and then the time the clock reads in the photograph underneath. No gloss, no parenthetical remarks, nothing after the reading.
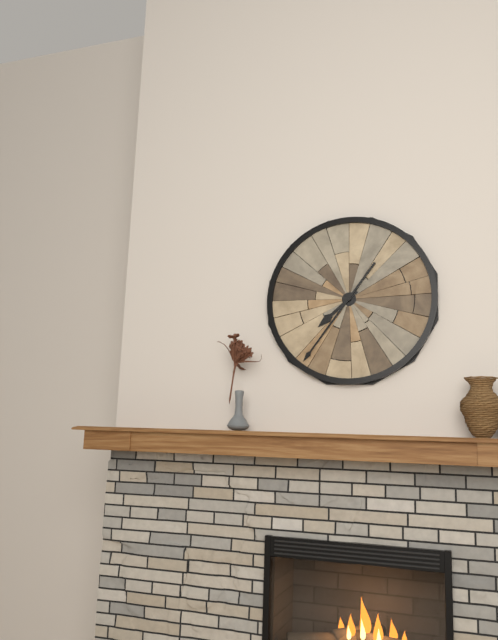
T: 7:36
